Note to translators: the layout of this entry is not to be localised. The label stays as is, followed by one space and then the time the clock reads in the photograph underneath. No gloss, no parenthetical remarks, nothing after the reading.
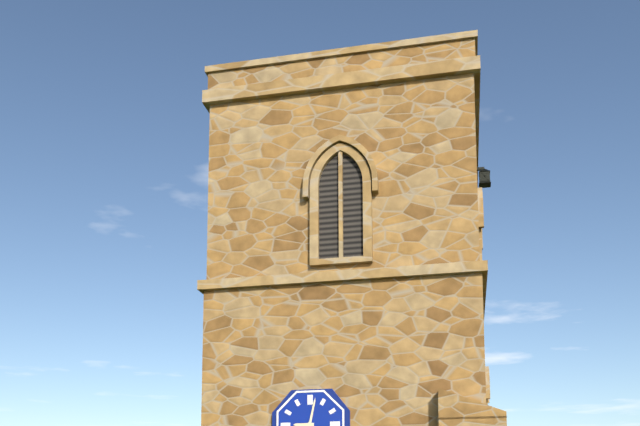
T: 9:02
